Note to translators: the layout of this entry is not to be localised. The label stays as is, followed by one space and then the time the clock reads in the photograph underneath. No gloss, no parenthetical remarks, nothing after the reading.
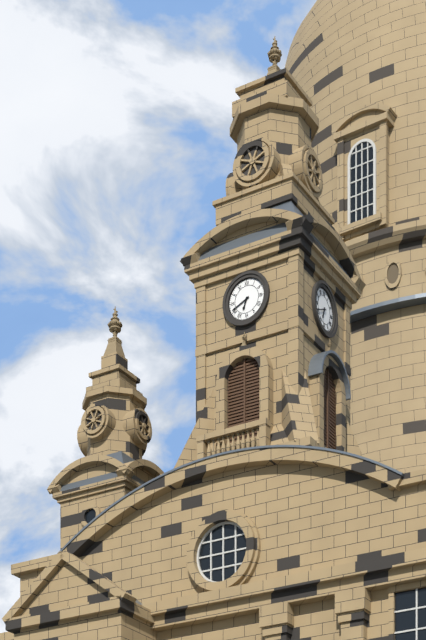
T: 6:41
